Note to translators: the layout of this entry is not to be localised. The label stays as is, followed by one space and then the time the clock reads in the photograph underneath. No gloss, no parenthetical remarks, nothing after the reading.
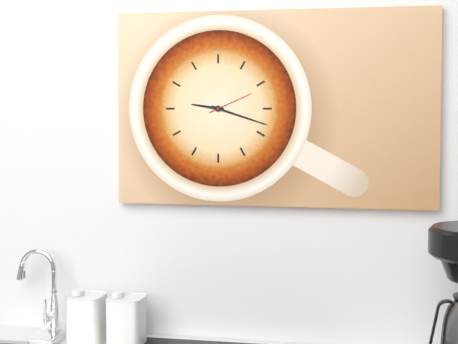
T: 9:18
